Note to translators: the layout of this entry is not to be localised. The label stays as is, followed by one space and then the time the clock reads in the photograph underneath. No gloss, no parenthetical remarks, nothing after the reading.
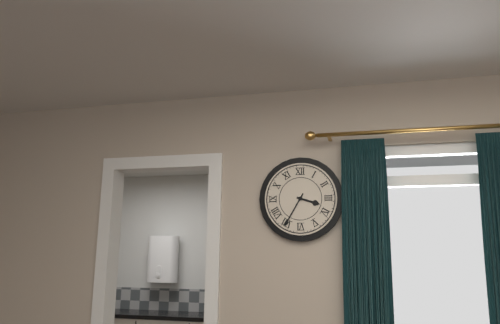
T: 3:35
